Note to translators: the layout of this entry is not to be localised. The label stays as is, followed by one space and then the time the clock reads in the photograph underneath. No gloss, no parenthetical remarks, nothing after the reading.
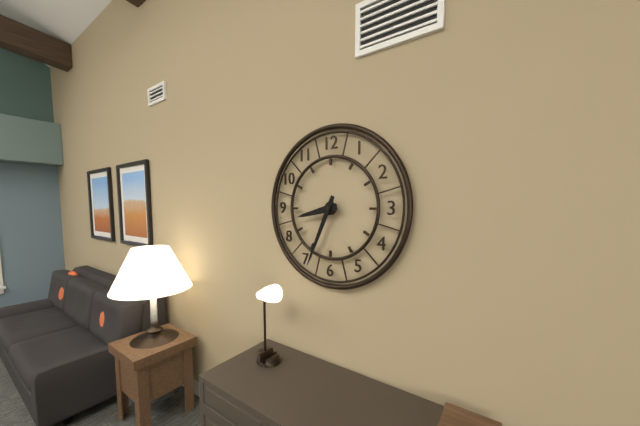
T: 8:34
